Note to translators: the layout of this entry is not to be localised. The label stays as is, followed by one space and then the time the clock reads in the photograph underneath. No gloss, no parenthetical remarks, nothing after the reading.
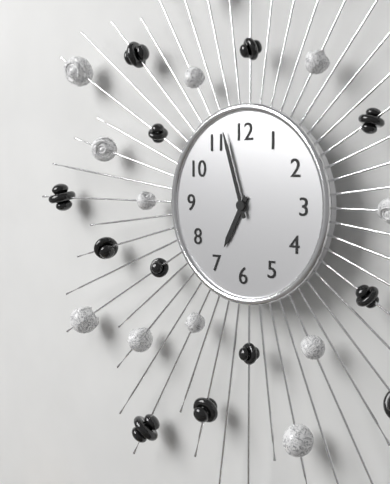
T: 6:57
